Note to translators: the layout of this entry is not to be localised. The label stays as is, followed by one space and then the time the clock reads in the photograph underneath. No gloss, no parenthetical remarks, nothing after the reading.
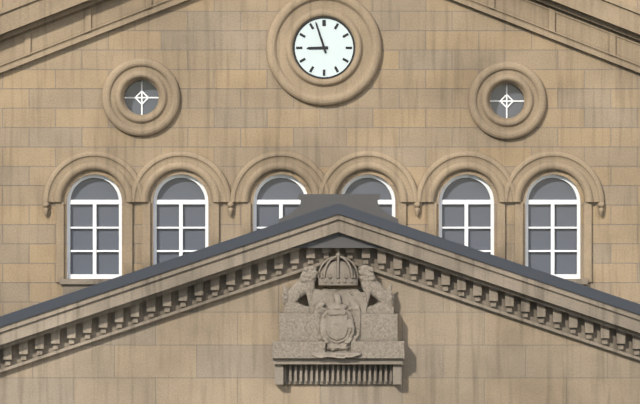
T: 8:57
